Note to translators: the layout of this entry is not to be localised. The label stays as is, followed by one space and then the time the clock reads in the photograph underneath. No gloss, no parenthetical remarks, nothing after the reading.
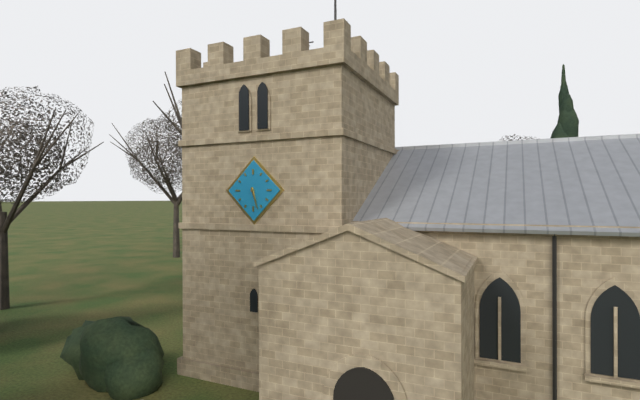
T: 5:27
